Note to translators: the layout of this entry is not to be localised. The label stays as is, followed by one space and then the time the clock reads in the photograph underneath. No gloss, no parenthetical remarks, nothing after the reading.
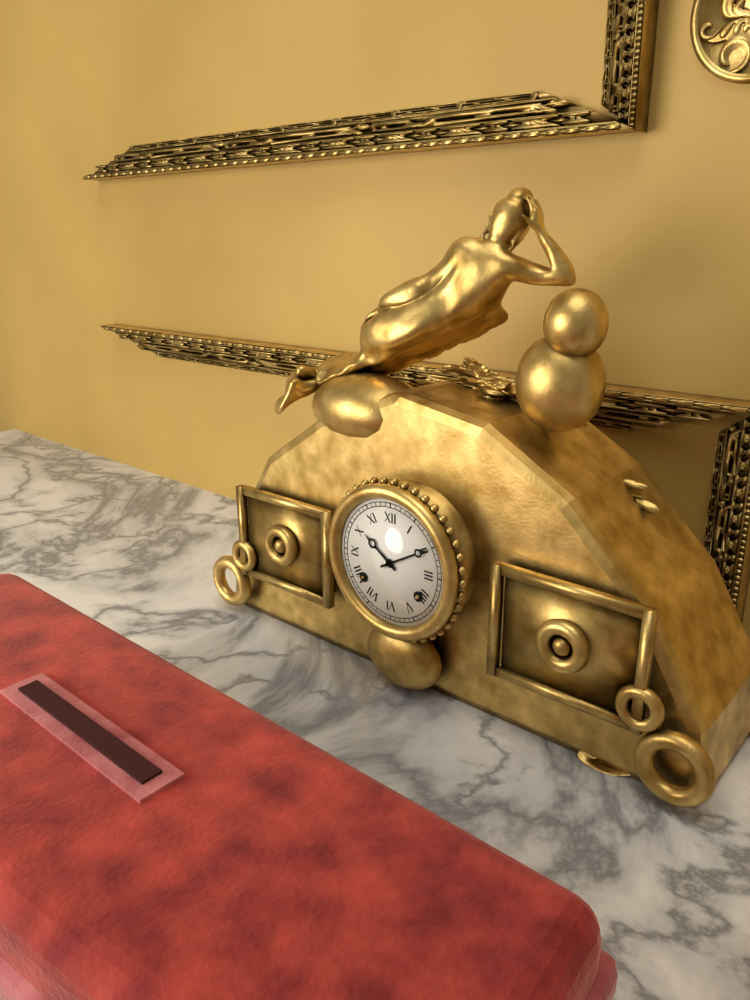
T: 10:10
